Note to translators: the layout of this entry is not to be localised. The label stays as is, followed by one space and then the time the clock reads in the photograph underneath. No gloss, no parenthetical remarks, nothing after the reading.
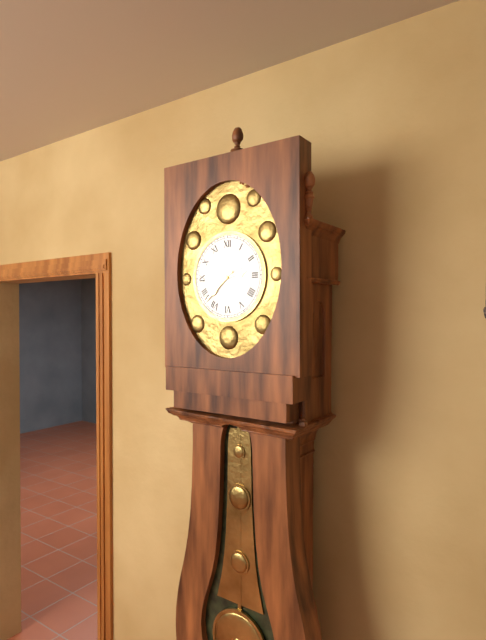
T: 2:38
